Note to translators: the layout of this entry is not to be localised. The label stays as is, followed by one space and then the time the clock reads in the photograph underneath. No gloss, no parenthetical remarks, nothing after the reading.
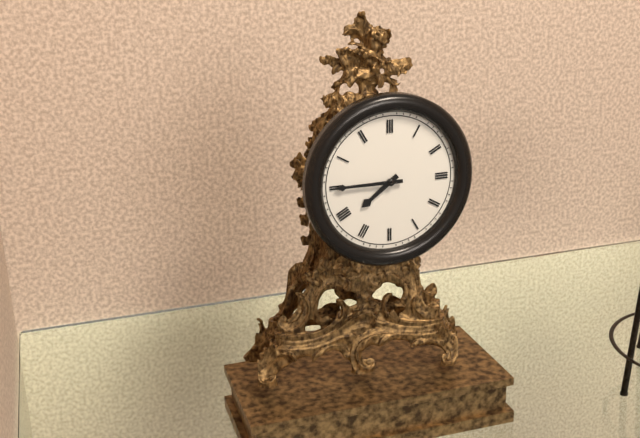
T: 7:45
